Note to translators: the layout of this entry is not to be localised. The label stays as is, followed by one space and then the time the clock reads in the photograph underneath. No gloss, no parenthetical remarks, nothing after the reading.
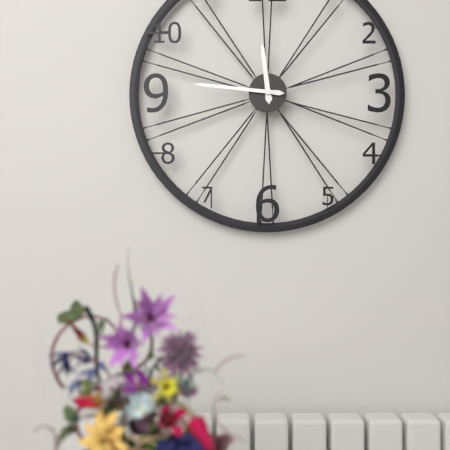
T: 11:46
